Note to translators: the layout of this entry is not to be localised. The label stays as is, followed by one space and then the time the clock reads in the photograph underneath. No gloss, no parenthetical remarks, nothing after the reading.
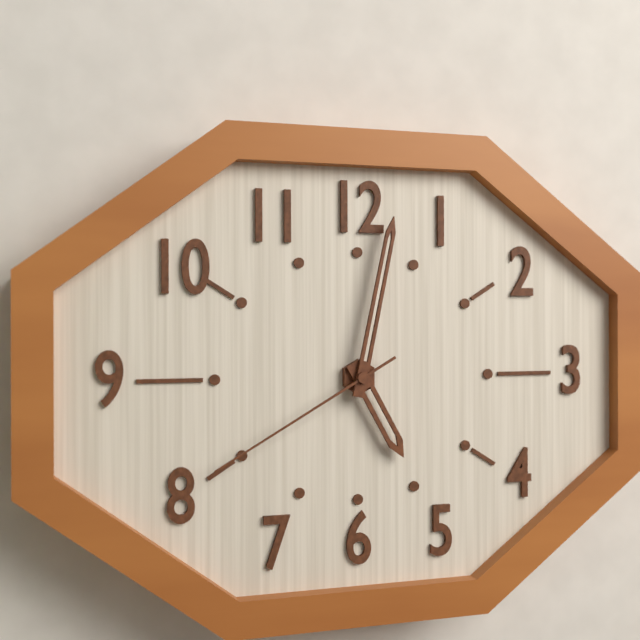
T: 5:02:40
